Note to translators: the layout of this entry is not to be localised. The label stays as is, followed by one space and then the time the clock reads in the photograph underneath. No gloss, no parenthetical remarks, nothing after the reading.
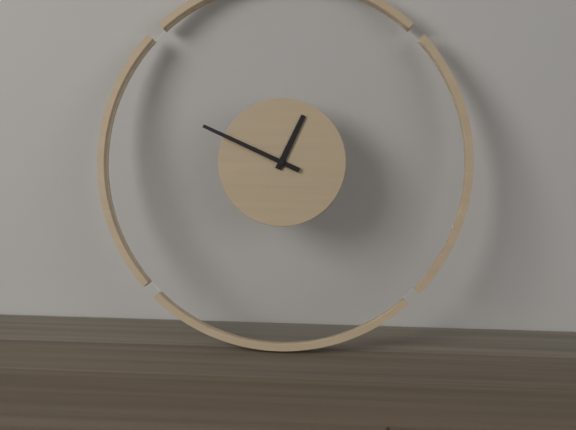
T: 12:49
